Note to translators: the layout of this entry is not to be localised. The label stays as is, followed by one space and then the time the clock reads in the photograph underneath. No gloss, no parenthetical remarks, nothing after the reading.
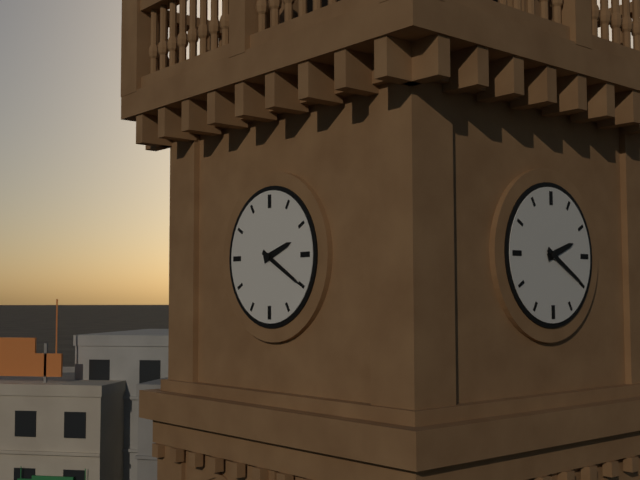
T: 2:20
